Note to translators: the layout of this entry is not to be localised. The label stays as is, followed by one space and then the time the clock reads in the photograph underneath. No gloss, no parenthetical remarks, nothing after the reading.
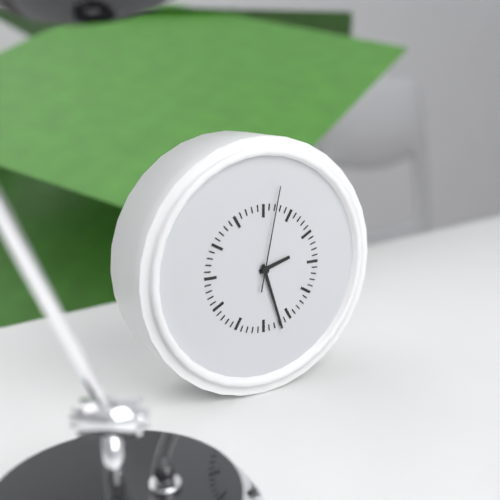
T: 2:27:02
